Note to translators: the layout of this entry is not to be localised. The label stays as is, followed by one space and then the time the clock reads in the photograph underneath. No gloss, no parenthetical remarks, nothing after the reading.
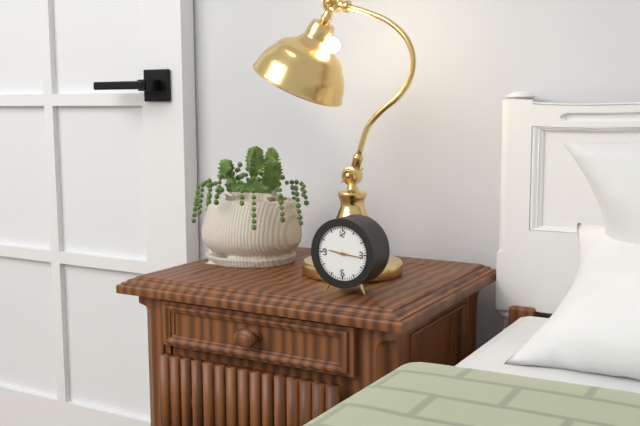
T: 9:16
